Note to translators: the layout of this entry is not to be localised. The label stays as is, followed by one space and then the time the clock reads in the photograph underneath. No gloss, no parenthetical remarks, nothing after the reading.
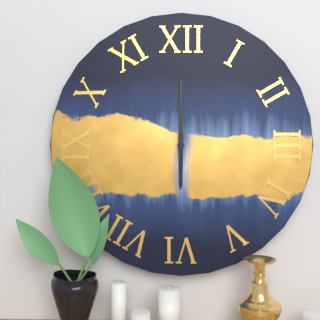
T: 6:00
